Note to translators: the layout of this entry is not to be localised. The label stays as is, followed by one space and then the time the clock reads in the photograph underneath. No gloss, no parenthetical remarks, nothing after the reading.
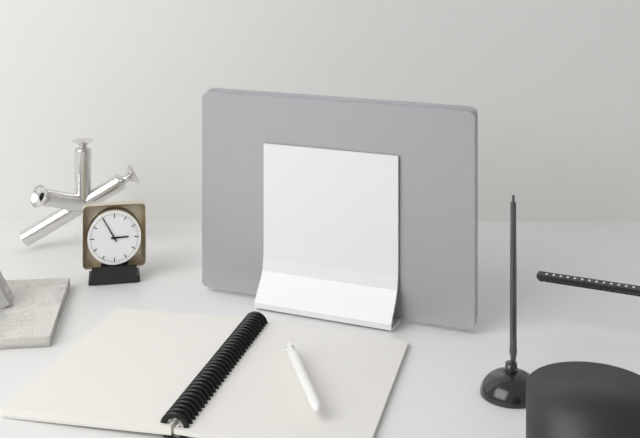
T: 2:55
